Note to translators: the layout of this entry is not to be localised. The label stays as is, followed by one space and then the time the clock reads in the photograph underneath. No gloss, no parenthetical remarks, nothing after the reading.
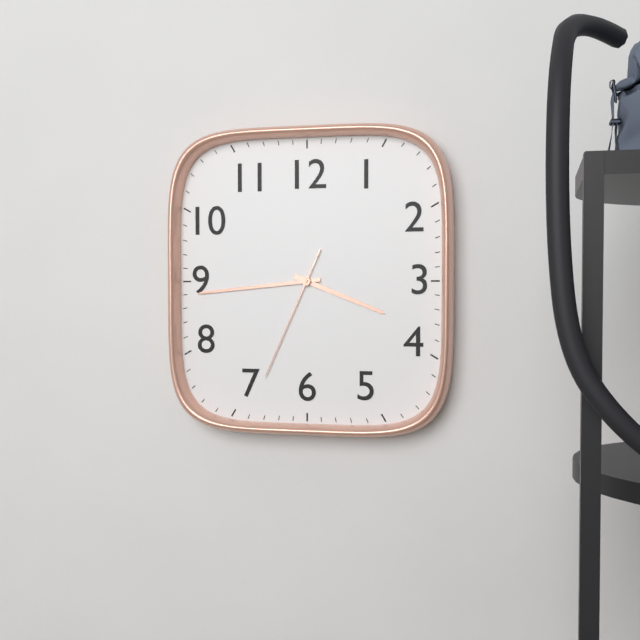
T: 3:44:34
